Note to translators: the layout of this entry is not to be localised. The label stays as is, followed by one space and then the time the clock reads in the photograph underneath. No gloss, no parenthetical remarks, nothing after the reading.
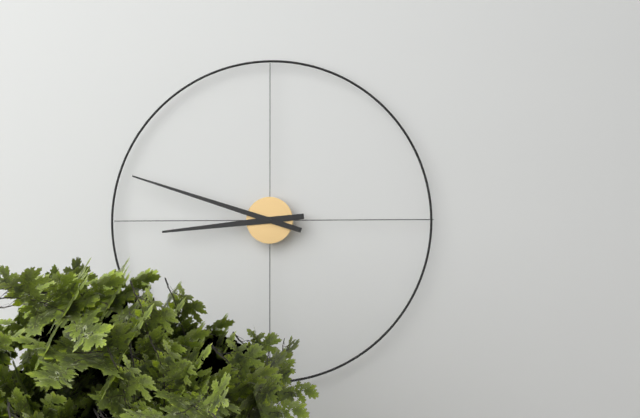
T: 8:48
